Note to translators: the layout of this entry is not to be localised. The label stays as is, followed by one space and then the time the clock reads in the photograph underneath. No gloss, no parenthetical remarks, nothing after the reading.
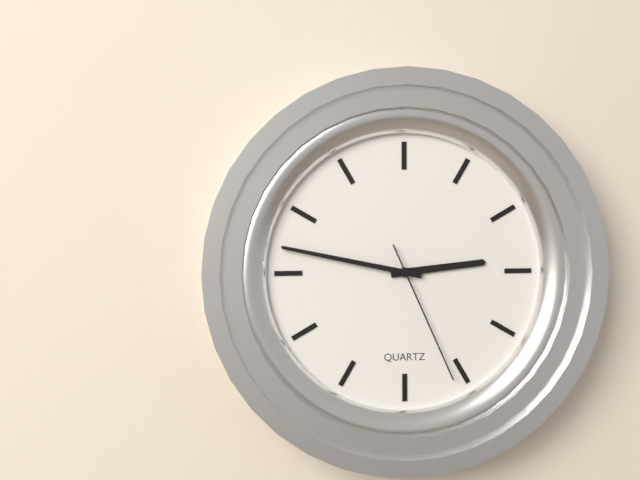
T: 2:47:26
